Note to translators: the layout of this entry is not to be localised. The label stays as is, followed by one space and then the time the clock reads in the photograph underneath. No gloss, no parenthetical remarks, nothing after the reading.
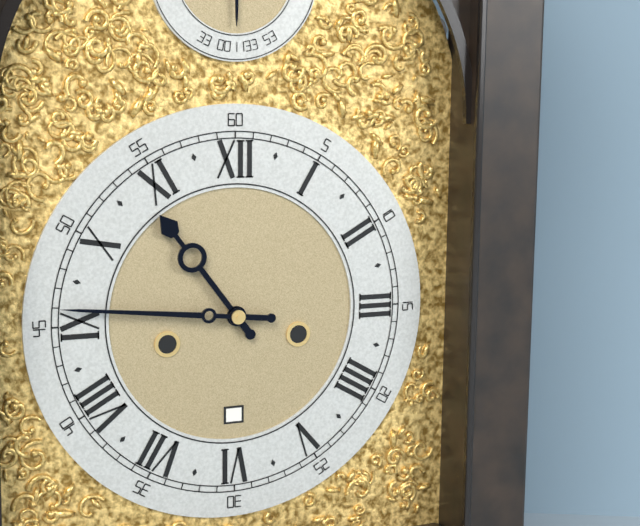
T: 10:46
